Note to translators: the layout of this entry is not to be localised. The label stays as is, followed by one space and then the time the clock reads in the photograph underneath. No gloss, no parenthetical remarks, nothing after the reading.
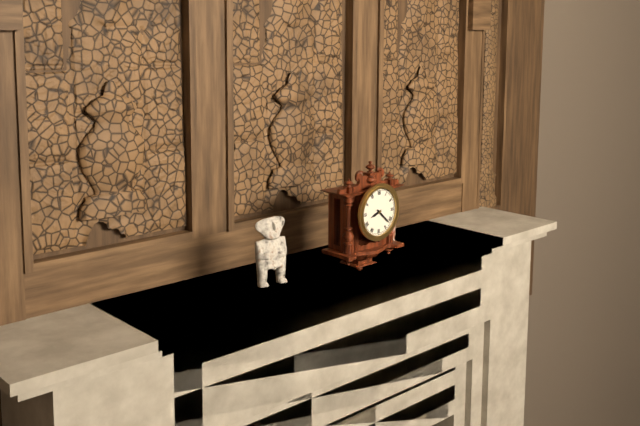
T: 8:22
